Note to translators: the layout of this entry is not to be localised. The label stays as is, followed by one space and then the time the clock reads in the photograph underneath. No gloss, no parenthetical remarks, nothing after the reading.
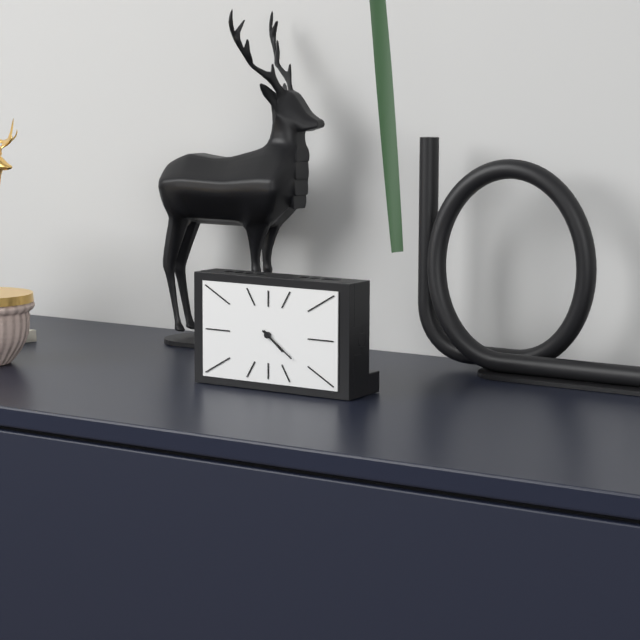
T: 4:21
